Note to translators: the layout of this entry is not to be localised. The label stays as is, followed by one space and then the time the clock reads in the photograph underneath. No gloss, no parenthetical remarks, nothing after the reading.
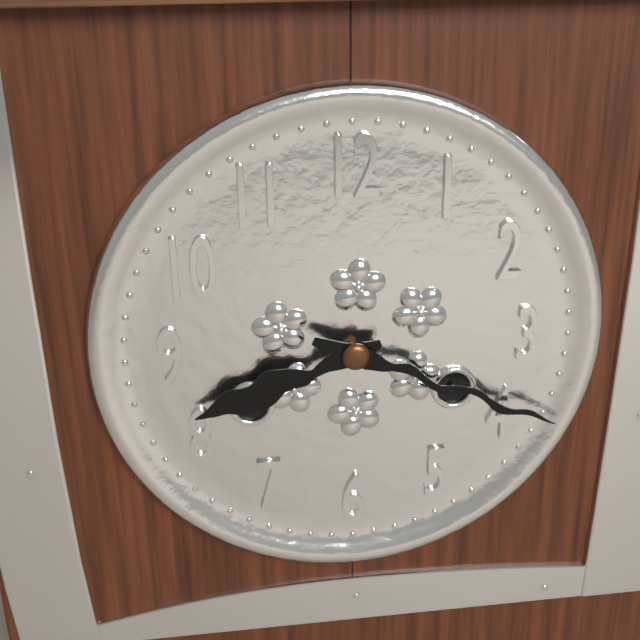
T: 8:19
